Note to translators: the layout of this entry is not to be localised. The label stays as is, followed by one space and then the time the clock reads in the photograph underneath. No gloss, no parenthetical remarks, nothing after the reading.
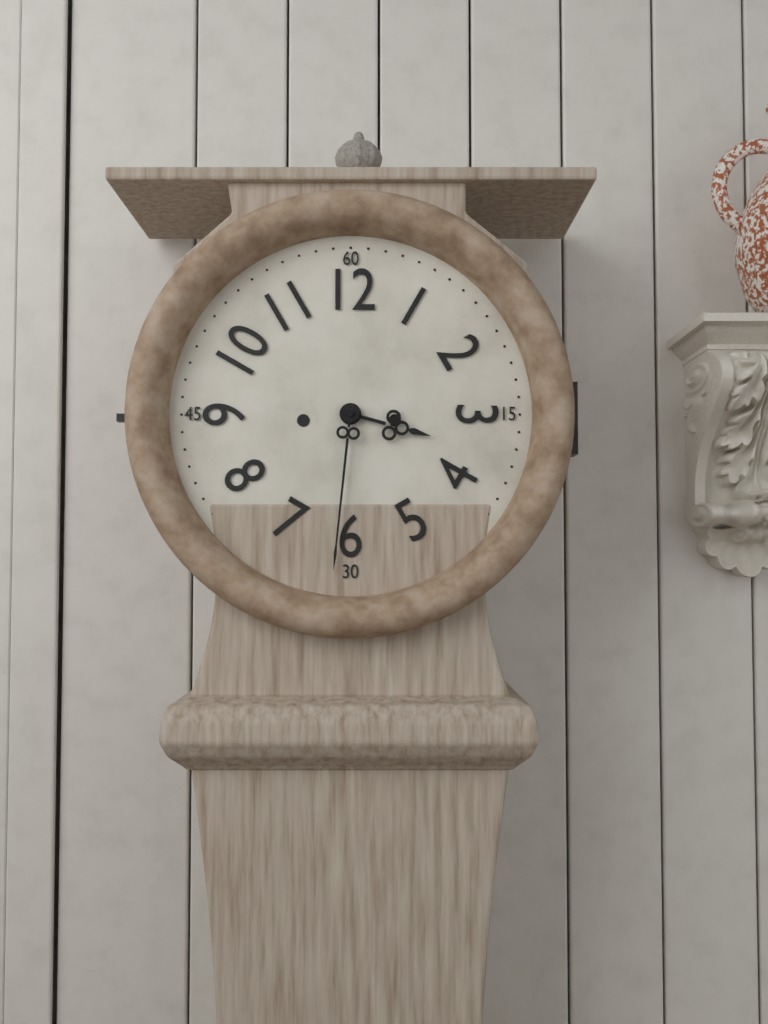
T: 3:31
